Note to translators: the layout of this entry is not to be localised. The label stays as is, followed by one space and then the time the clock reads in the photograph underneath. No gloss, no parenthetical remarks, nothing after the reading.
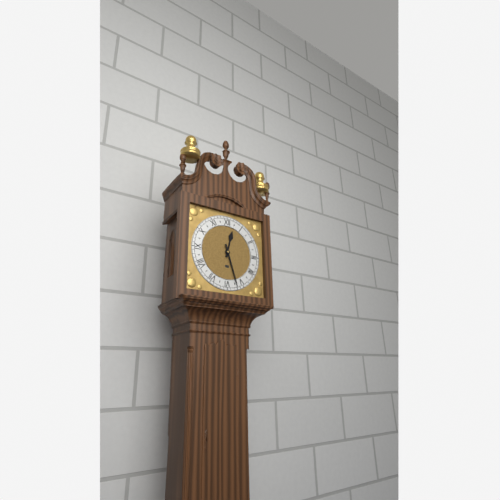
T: 12:27
